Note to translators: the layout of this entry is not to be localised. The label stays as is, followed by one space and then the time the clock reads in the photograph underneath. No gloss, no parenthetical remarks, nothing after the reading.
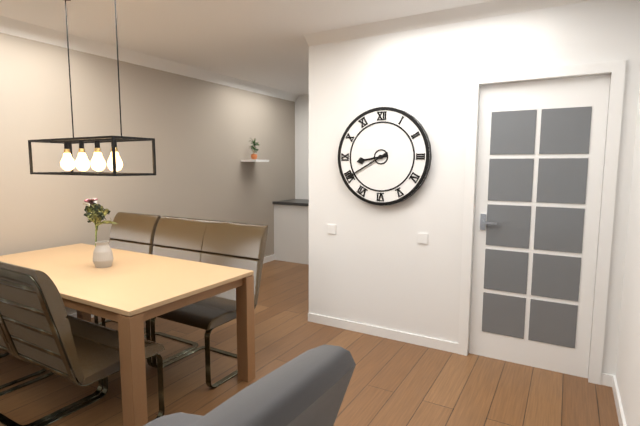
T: 8:40
